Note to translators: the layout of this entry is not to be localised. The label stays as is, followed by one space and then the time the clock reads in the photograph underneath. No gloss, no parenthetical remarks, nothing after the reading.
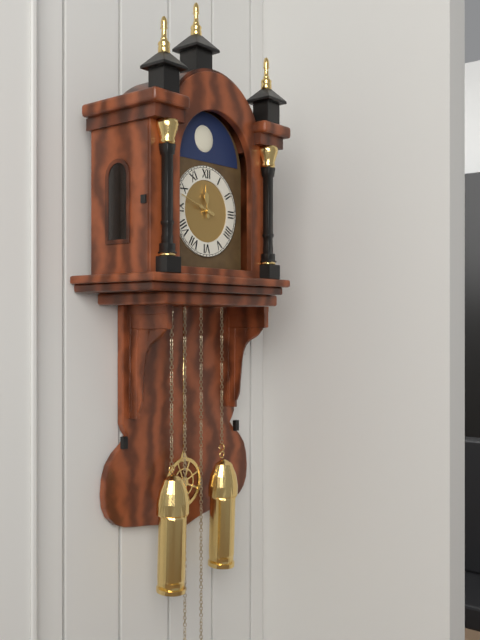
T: 11:48
